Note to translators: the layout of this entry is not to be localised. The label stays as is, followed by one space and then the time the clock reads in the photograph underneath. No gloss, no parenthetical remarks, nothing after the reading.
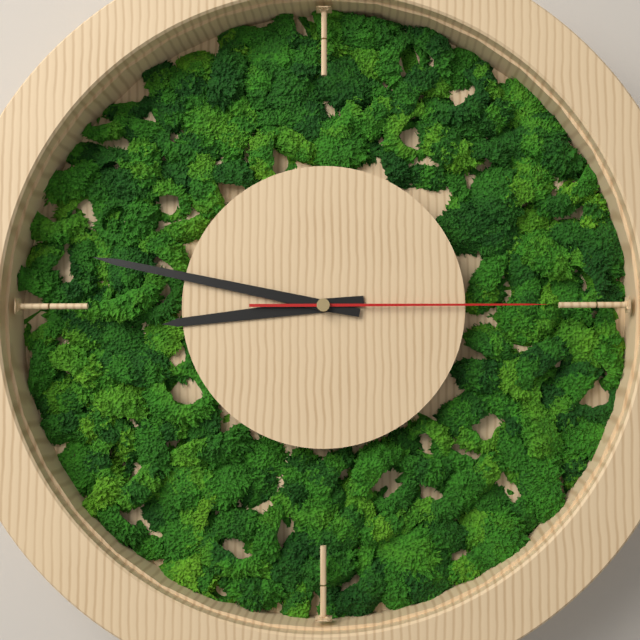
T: 8:47:15
